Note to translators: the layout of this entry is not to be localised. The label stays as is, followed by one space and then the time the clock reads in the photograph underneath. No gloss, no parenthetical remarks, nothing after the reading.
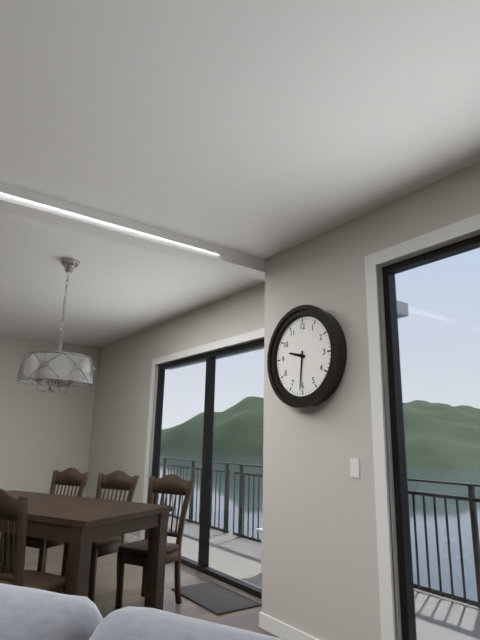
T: 9:31
